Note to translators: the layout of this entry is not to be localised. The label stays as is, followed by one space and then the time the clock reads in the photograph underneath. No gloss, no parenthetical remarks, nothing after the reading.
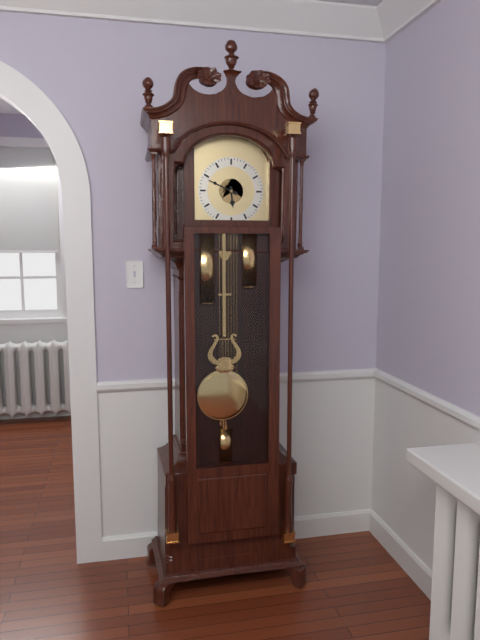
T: 5:49
